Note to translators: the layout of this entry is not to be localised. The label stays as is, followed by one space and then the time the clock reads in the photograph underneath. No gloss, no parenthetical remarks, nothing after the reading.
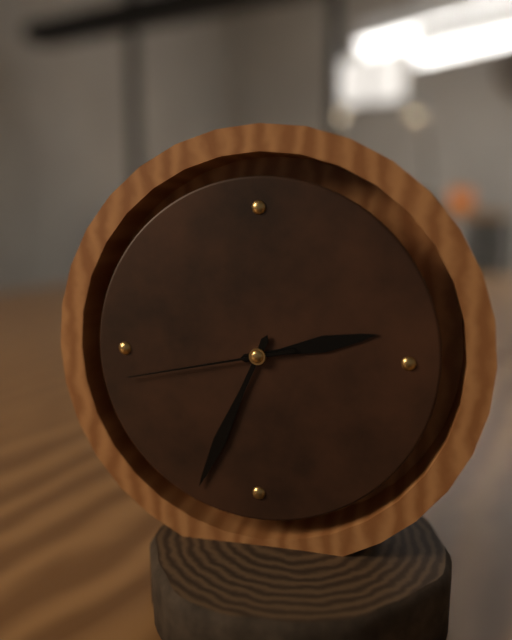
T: 2:34:43
